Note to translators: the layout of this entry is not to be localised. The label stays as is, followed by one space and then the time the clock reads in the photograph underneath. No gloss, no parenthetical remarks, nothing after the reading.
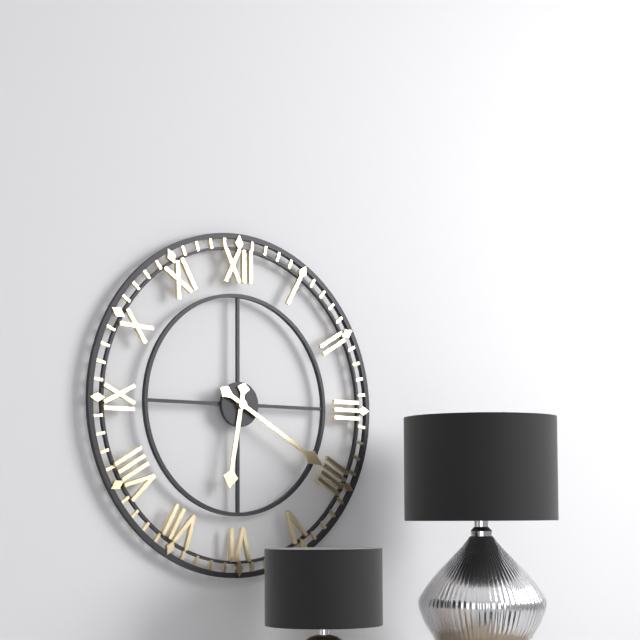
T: 6:20
